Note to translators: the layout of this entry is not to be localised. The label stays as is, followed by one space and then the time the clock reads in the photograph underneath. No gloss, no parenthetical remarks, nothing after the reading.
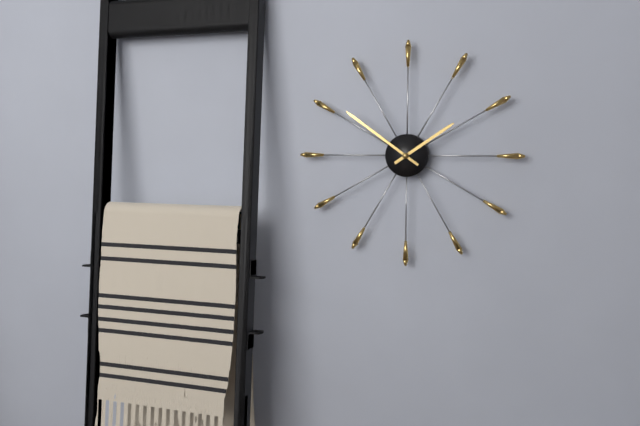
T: 1:51
